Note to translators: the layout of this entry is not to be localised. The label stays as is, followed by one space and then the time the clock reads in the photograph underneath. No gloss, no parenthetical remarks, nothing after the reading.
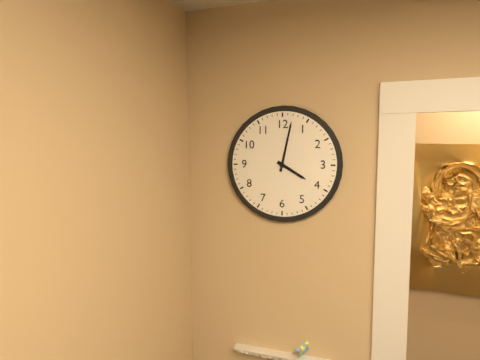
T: 4:02
